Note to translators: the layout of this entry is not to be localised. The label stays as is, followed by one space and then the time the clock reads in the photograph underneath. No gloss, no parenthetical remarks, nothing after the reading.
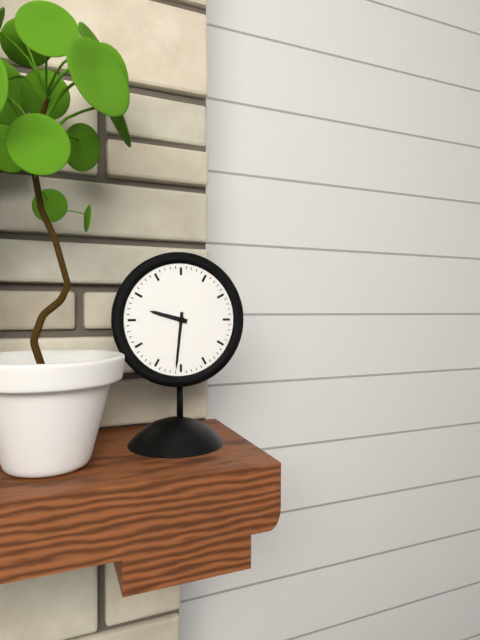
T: 9:31
